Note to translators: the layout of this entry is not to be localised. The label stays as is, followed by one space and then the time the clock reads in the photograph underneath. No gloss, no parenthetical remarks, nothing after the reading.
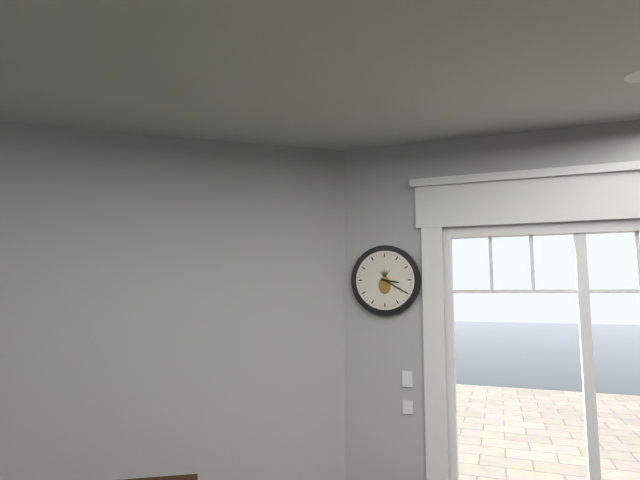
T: 3:20
